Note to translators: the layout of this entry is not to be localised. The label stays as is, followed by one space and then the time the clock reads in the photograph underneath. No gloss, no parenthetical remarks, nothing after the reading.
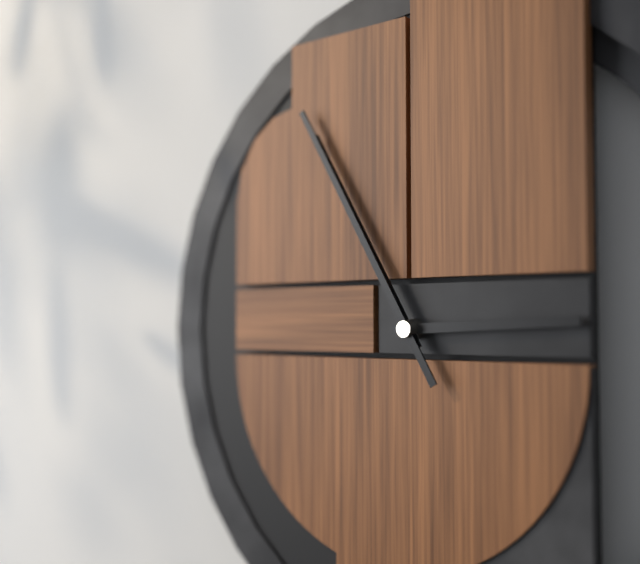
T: 2:55:55
